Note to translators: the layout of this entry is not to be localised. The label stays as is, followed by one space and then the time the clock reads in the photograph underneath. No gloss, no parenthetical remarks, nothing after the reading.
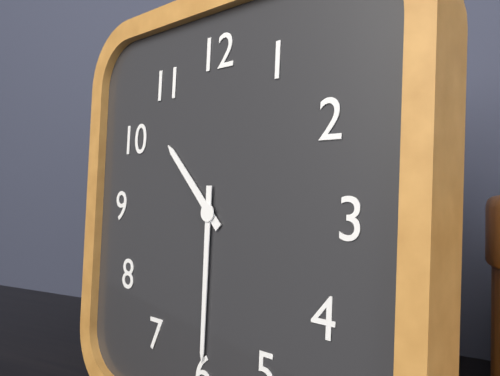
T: 10:30
